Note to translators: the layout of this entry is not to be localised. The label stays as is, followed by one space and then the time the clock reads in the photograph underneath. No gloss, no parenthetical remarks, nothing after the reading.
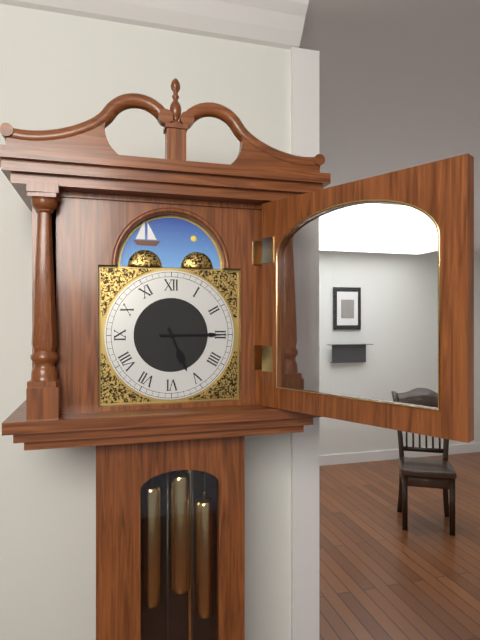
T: 5:15
